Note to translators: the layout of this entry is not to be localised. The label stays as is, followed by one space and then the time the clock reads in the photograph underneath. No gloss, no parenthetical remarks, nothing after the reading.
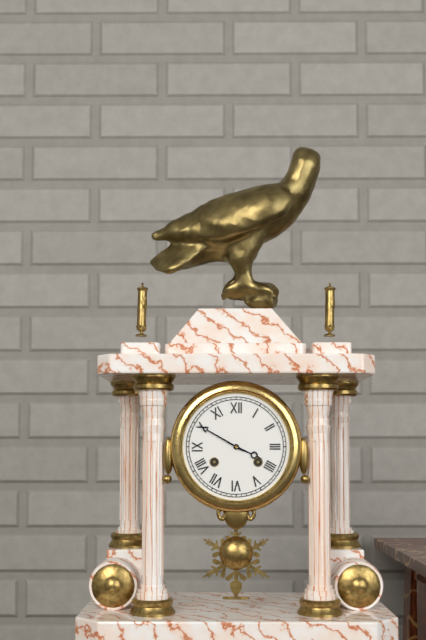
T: 3:50
